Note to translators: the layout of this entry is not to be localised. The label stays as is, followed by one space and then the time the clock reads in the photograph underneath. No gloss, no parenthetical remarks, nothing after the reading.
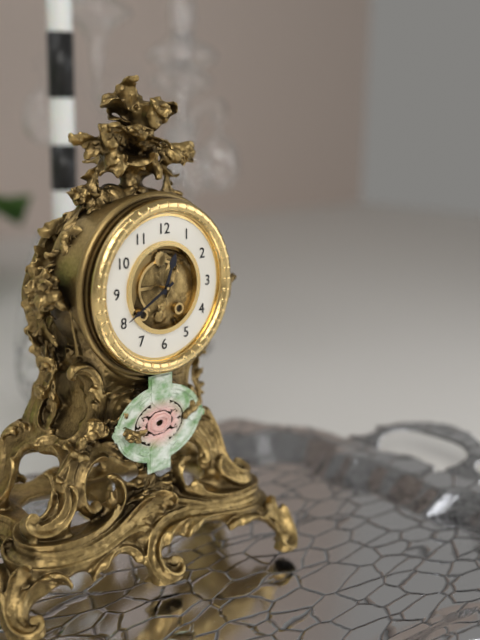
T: 12:40
